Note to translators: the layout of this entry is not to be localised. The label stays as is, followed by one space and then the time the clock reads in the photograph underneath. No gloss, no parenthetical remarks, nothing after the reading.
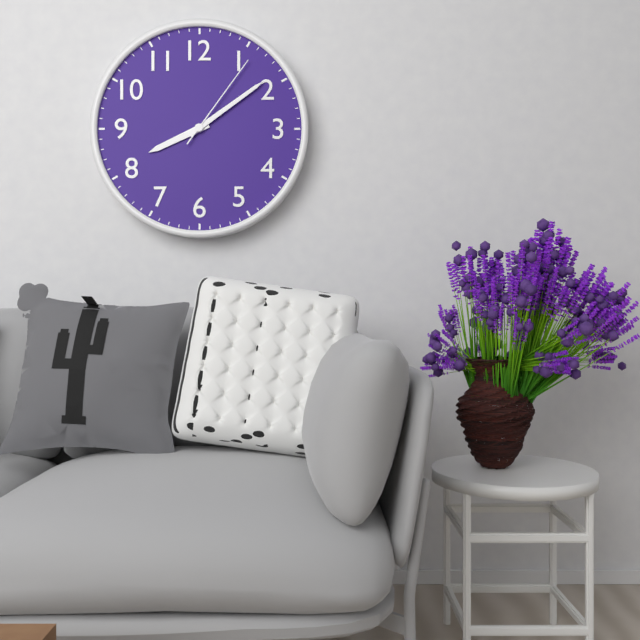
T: 8:09:06
